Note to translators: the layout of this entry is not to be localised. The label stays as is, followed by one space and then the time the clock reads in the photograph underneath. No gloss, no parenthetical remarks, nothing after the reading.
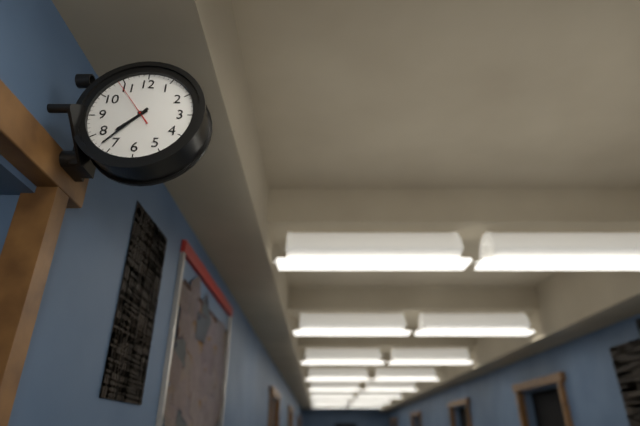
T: 7:37:54
